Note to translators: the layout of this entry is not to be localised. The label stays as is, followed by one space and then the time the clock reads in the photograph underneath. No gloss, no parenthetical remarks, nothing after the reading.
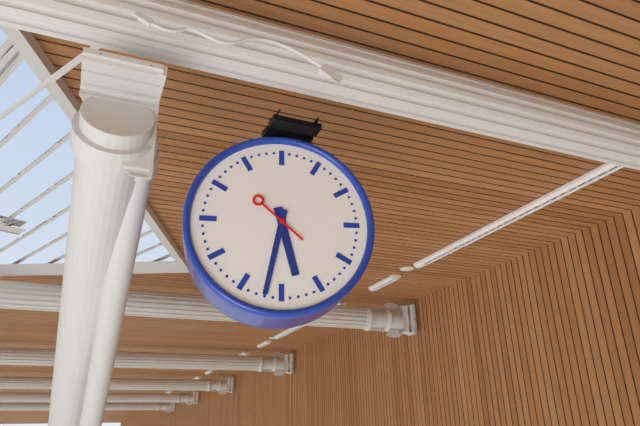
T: 5:32
